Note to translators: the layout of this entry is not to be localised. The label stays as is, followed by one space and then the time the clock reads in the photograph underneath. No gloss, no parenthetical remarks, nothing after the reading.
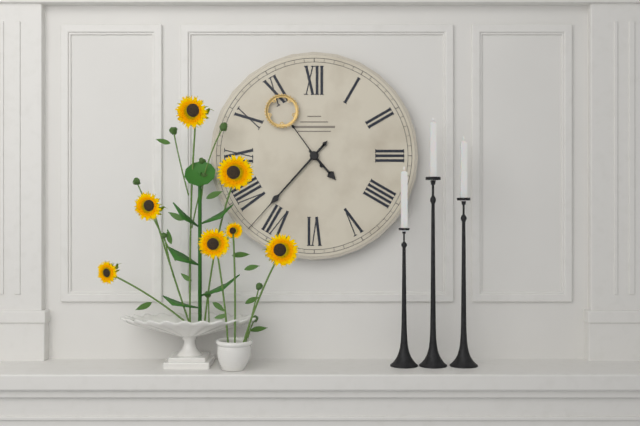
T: 4:37:54
